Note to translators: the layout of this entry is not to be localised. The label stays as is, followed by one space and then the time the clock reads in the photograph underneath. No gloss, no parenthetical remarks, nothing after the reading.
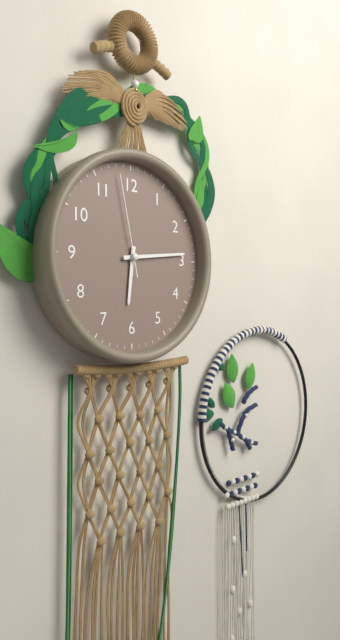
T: 6:14:58
